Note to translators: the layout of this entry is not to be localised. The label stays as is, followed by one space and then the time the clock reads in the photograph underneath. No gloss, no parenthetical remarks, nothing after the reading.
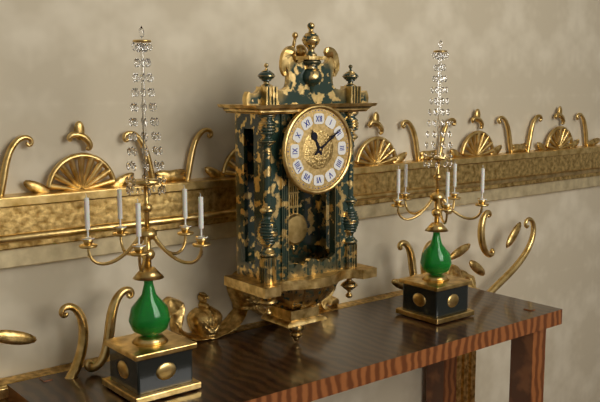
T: 11:09
